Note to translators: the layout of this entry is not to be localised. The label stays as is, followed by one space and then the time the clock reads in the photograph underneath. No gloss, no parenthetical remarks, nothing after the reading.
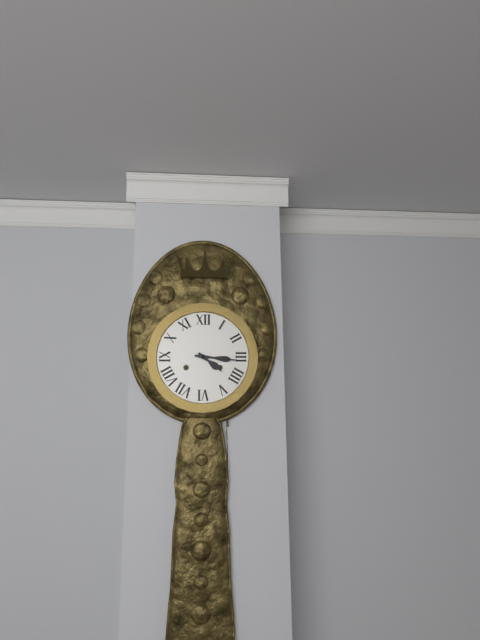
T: 4:16
